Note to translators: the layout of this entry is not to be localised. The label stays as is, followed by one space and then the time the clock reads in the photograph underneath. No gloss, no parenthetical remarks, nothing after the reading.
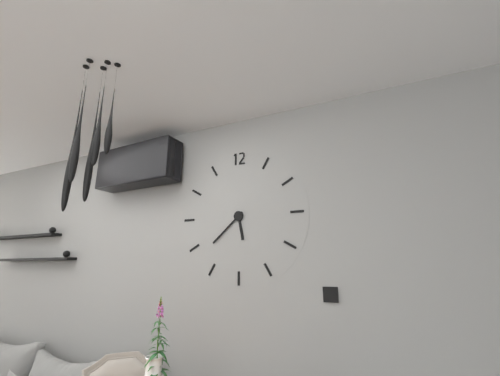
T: 5:38
